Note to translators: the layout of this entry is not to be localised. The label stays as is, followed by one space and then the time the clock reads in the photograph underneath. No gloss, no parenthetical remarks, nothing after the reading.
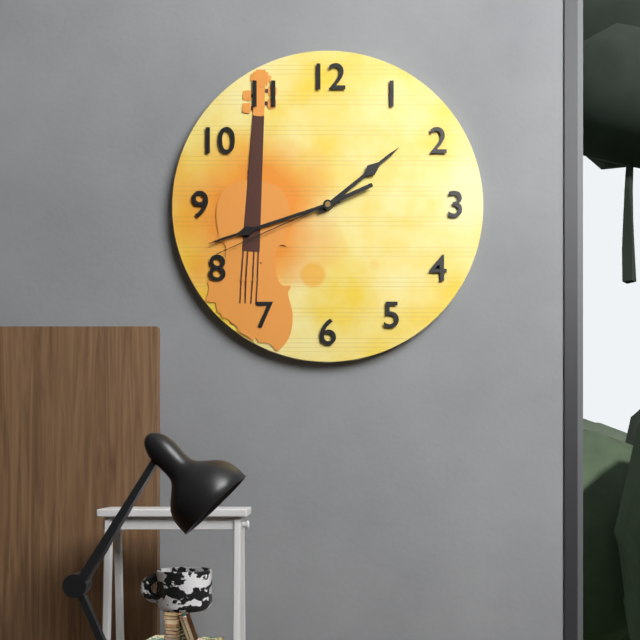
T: 1:42:41
